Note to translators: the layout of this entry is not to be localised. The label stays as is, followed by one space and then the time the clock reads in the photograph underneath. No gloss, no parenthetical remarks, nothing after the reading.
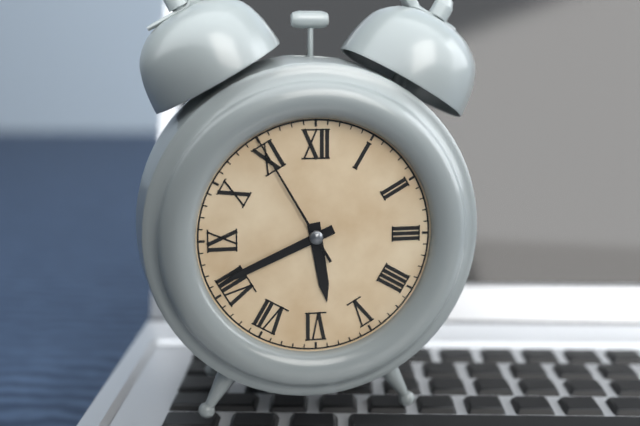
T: 5:41:55
